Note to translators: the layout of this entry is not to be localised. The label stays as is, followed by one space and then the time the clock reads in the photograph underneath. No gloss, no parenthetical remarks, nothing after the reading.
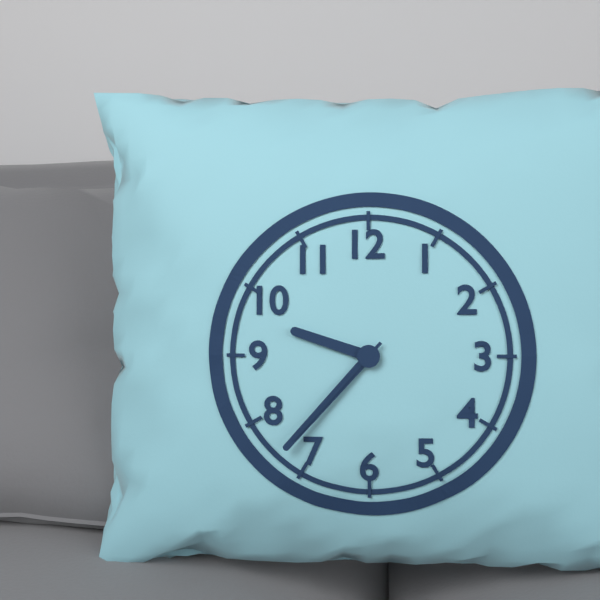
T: 9:37:37
